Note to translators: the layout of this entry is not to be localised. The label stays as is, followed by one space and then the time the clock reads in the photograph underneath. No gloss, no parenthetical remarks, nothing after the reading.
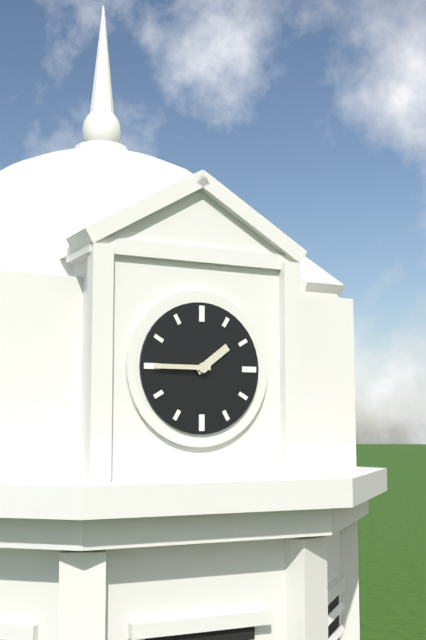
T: 1:45
